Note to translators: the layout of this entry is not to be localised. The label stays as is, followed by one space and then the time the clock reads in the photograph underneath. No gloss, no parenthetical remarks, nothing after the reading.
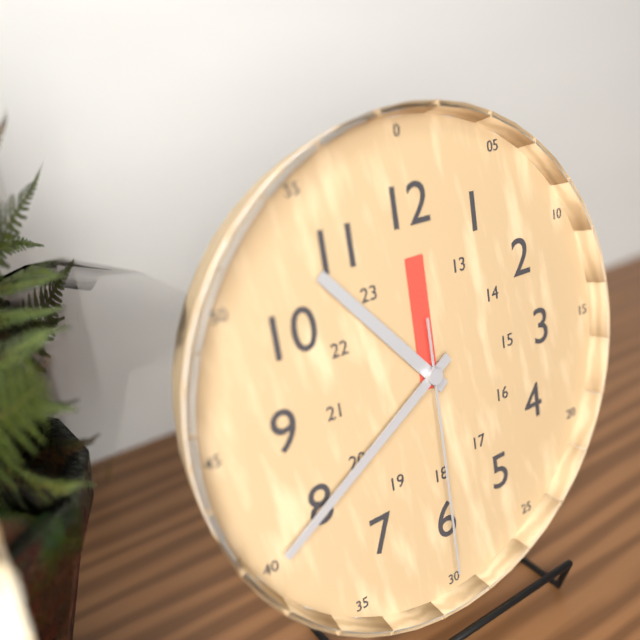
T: 10:40:30
